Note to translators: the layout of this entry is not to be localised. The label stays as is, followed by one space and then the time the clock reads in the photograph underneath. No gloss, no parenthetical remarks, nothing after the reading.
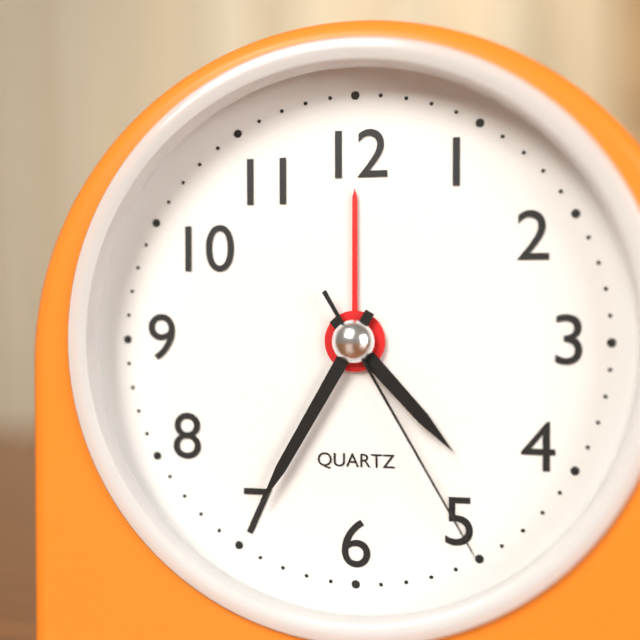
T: 4:35:25
